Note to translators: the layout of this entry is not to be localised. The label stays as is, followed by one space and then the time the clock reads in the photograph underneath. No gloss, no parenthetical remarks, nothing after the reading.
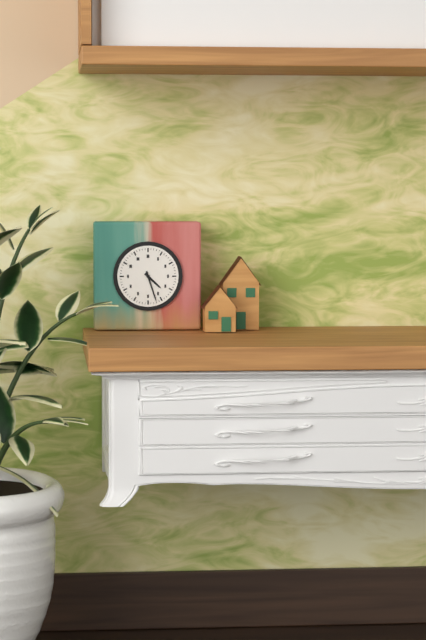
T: 4:27
